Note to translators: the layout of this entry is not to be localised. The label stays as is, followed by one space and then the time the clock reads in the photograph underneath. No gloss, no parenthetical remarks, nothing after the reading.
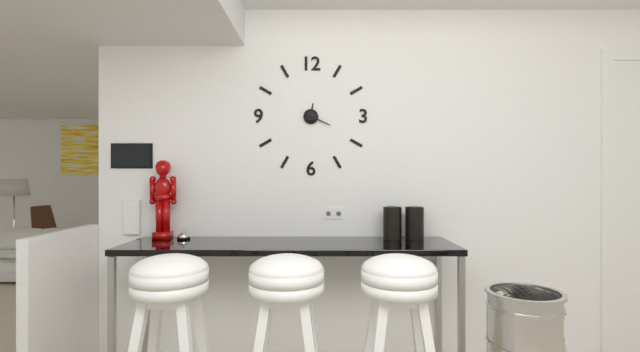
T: 12:19
